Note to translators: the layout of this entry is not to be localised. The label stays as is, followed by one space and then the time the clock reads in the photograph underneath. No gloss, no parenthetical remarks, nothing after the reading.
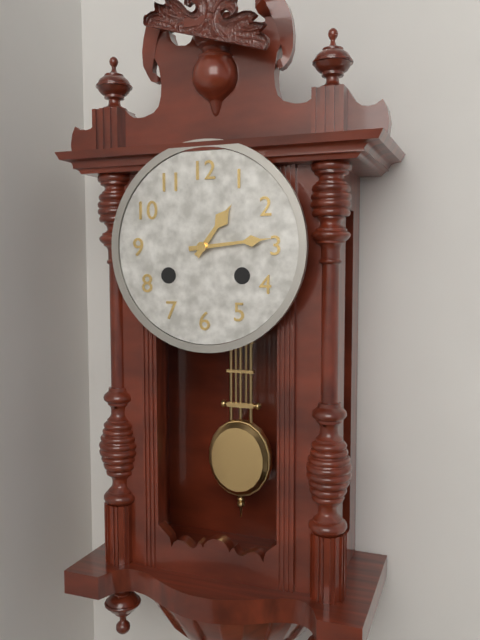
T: 1:14
